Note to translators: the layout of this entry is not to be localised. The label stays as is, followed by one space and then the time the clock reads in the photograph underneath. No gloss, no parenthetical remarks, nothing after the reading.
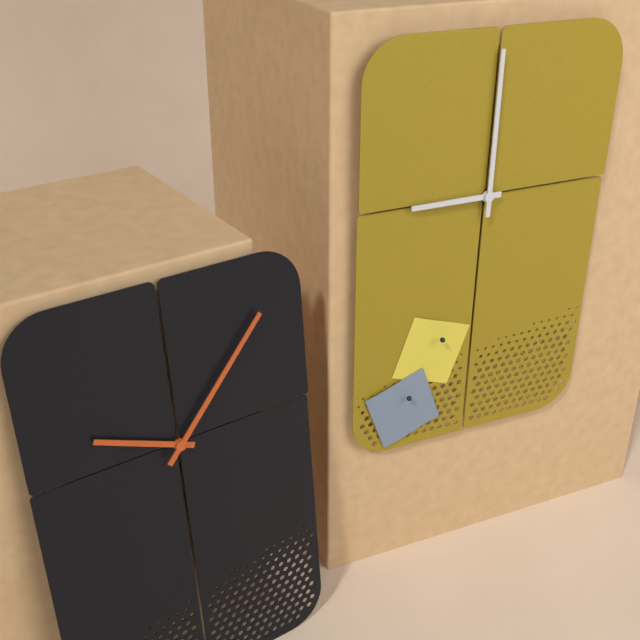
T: 9:00
